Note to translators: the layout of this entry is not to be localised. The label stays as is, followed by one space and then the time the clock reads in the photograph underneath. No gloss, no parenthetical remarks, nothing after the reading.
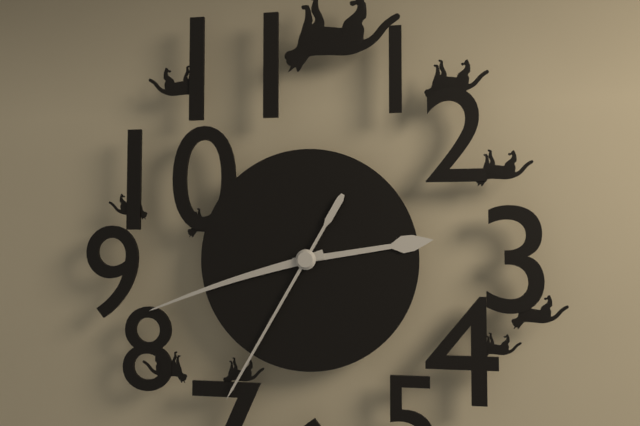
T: 2:42:35
